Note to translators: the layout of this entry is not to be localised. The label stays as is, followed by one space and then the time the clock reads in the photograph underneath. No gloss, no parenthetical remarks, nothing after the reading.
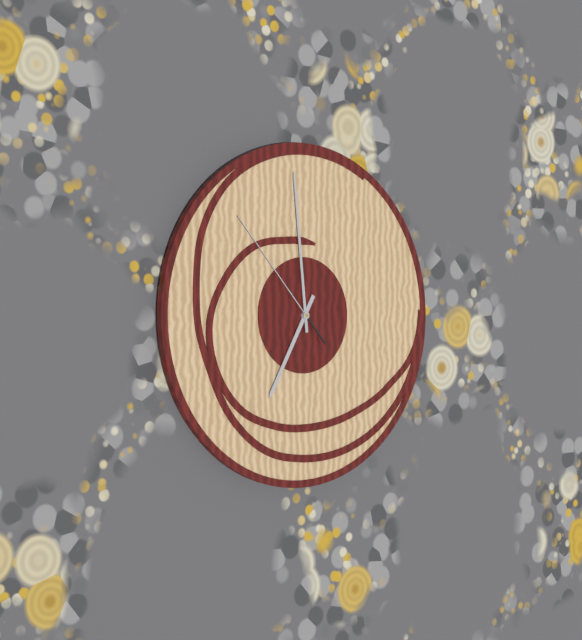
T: 6:59:53
